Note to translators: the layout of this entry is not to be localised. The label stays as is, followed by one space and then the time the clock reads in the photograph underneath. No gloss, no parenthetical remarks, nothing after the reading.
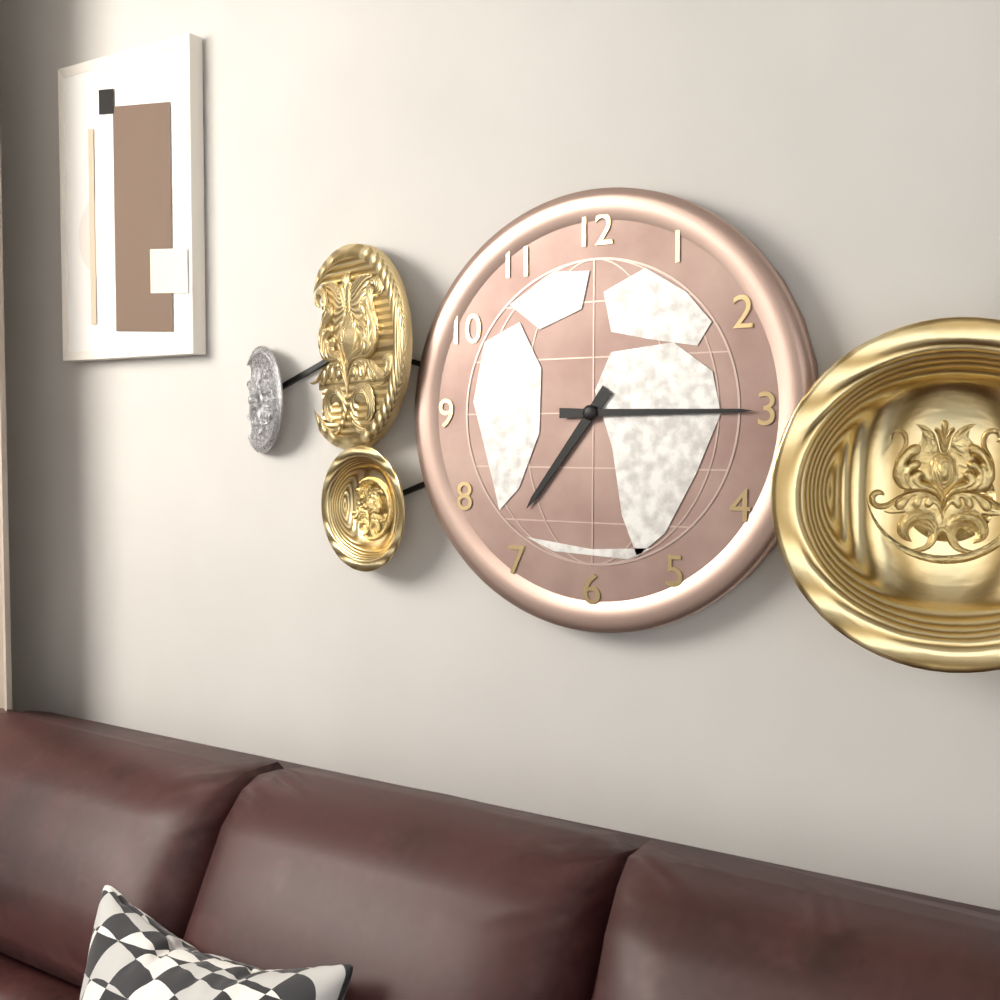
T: 7:15
